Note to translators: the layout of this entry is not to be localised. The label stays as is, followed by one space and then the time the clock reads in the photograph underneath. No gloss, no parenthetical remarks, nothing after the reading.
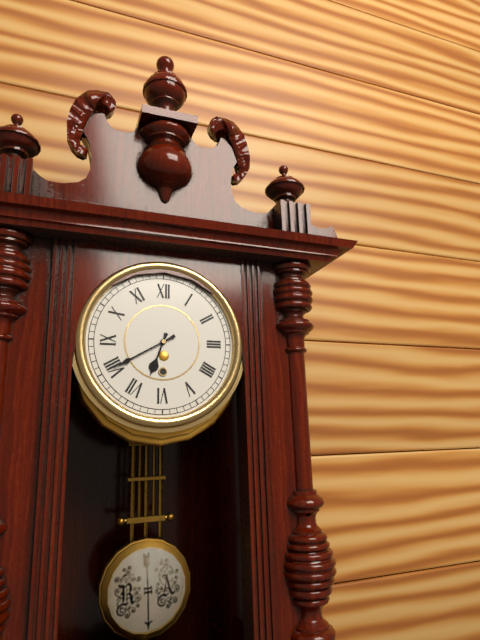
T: 6:40
